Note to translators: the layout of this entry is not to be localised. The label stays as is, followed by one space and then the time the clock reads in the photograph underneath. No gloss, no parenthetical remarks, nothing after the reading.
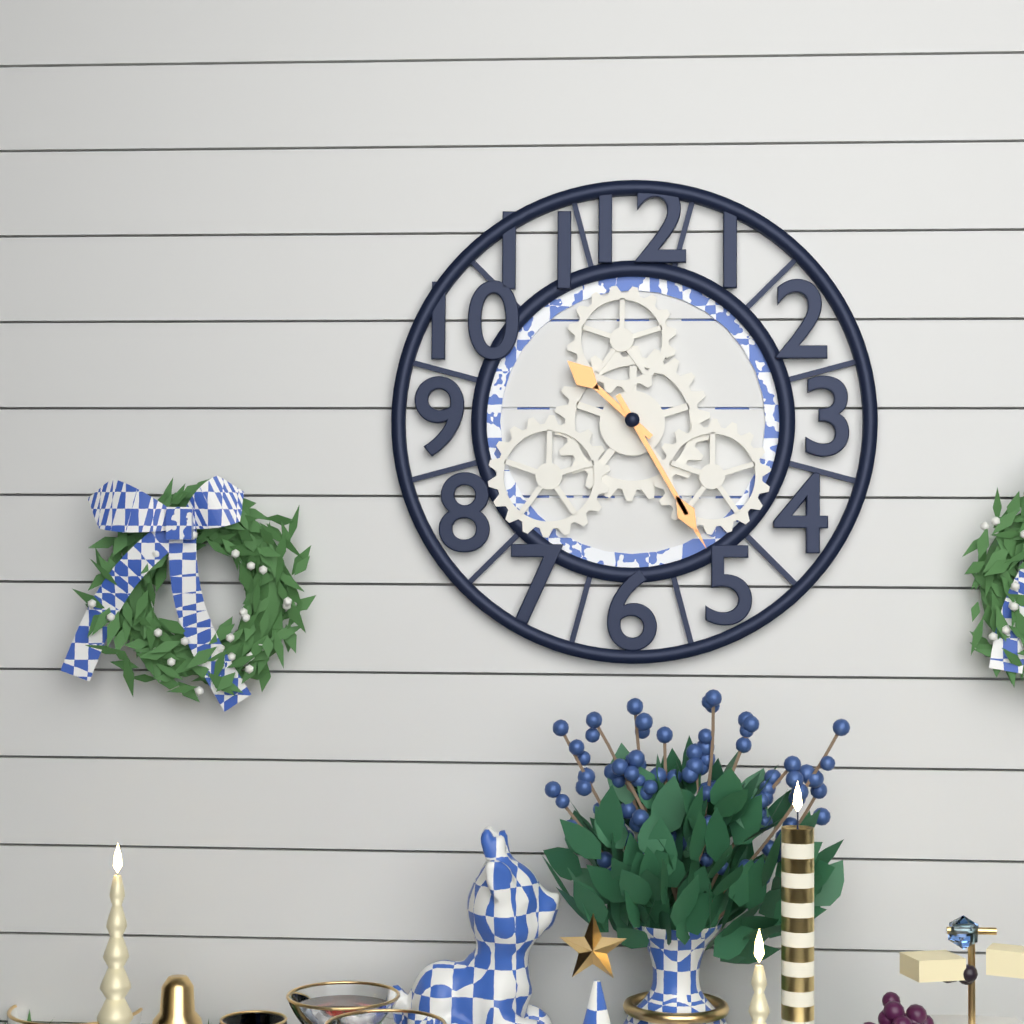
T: 10:25
